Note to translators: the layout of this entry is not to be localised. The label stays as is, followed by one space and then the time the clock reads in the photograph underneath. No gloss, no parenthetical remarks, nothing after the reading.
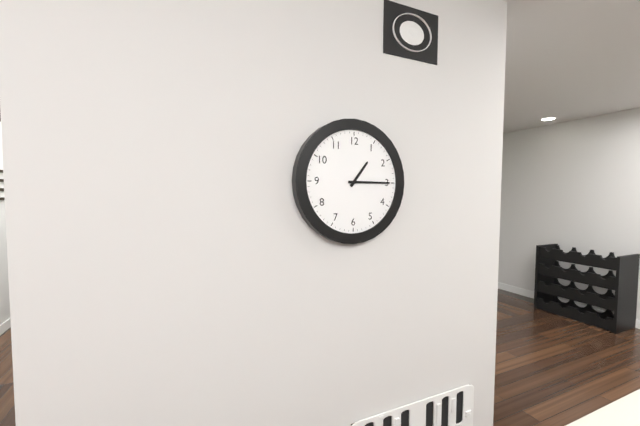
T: 1:15
